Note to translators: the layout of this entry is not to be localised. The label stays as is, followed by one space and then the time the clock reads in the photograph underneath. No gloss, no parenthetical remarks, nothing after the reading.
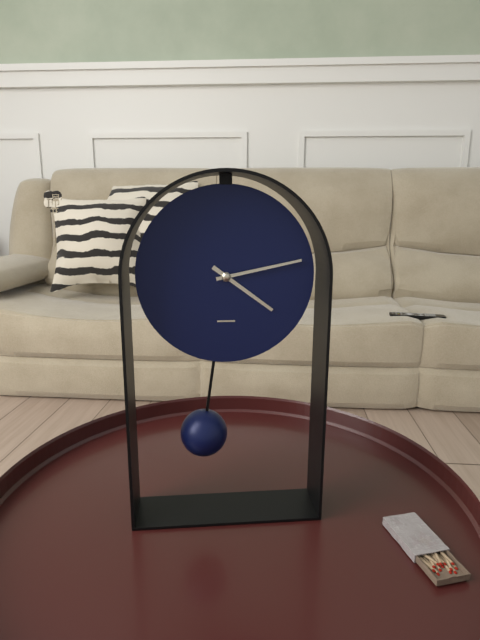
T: 4:13
